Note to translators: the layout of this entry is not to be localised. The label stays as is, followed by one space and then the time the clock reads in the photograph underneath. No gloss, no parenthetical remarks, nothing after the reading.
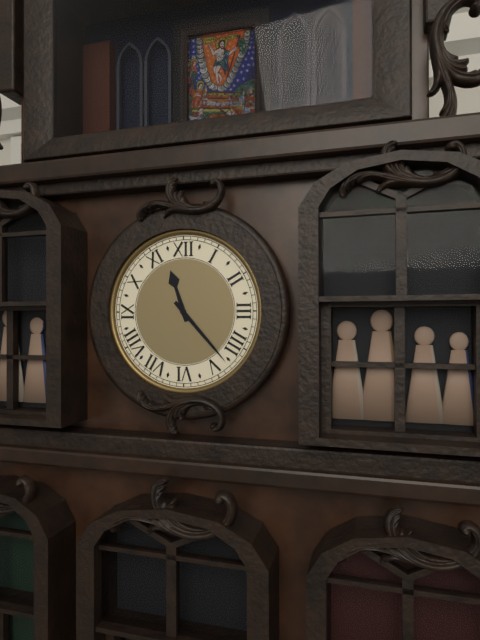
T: 11:23
